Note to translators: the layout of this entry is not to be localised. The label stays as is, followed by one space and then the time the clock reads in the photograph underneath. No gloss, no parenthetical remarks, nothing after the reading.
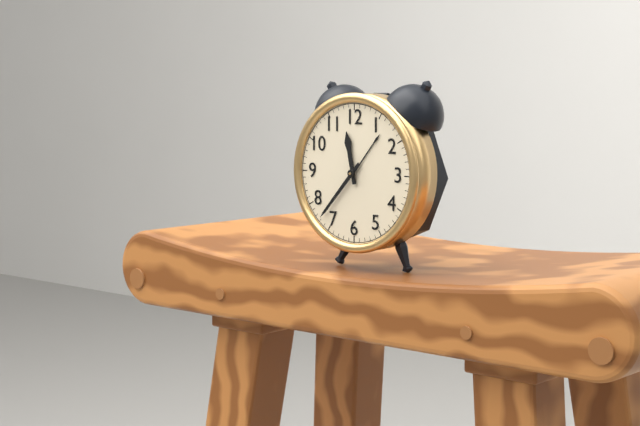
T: 11:37
